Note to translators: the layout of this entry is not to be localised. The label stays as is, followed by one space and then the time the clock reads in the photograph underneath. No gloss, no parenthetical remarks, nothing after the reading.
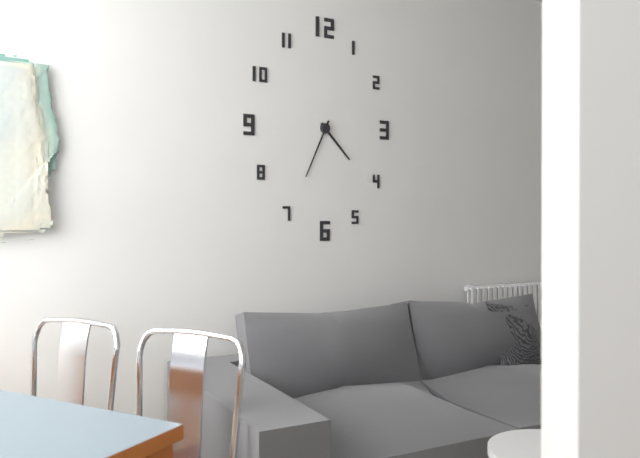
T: 4:34
